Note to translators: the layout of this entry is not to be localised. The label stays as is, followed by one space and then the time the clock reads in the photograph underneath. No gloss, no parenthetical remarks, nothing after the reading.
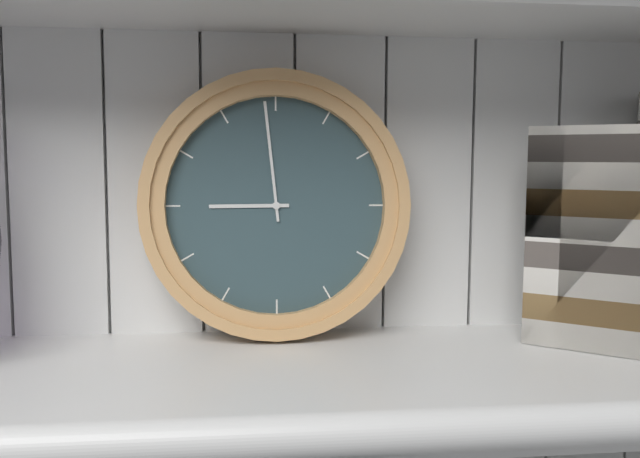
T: 8:59
